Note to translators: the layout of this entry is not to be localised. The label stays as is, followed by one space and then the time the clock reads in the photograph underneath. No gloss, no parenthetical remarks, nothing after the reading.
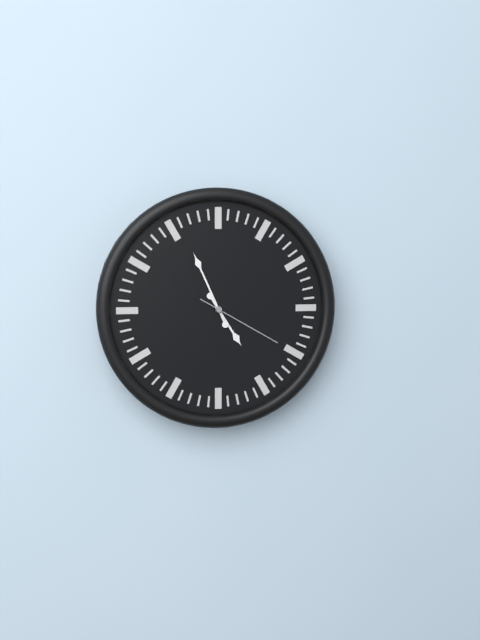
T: 4:56:20
